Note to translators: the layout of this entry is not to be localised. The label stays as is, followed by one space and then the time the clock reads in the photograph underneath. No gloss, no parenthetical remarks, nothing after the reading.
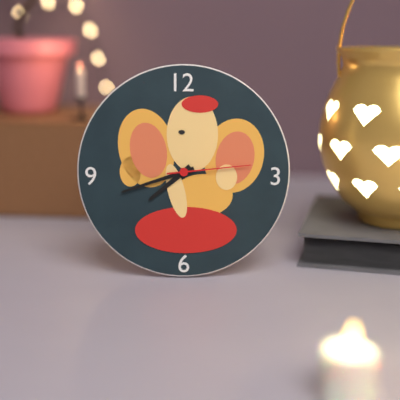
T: 7:42:14
